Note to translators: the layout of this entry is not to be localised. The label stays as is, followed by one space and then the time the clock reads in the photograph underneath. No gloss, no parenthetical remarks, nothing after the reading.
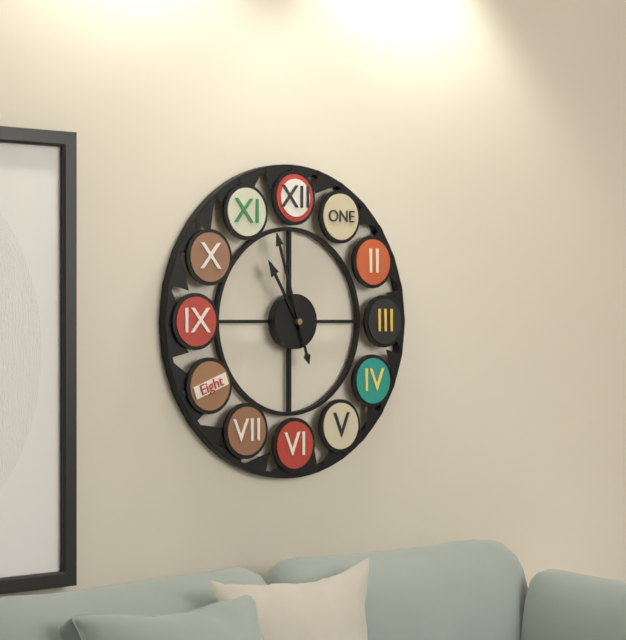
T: 10:57
